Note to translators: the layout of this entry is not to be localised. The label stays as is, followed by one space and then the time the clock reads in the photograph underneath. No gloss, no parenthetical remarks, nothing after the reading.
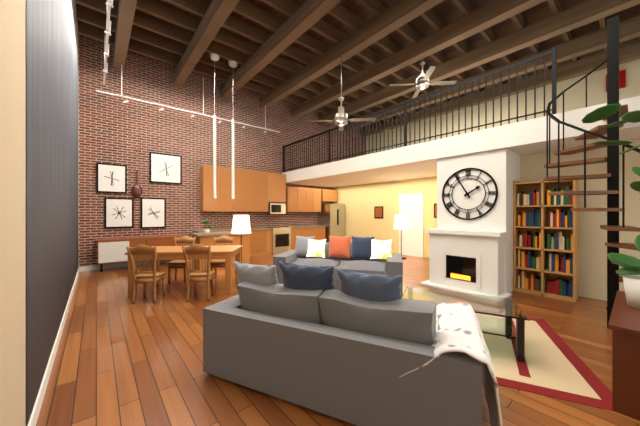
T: 1:55
